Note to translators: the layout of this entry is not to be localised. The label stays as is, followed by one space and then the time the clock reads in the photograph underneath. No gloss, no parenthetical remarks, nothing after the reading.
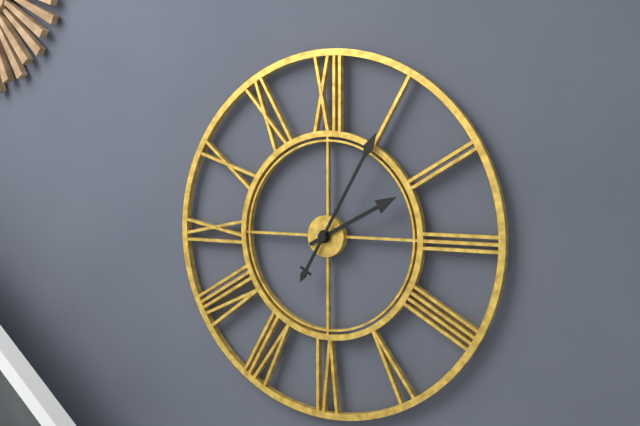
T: 2:05
